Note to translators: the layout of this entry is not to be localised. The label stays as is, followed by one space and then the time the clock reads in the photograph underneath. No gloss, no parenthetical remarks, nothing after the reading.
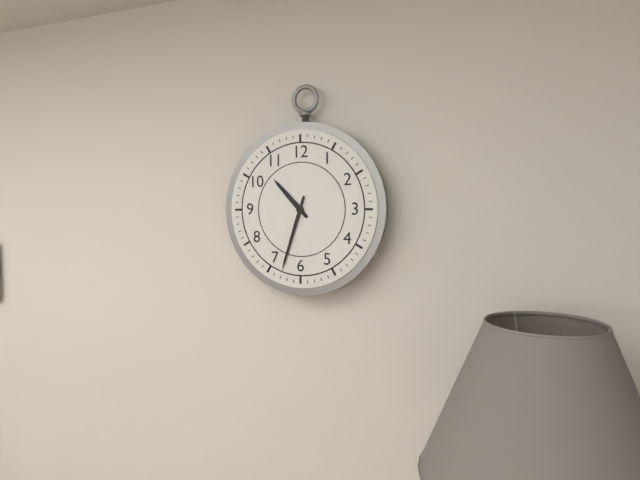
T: 10:33
